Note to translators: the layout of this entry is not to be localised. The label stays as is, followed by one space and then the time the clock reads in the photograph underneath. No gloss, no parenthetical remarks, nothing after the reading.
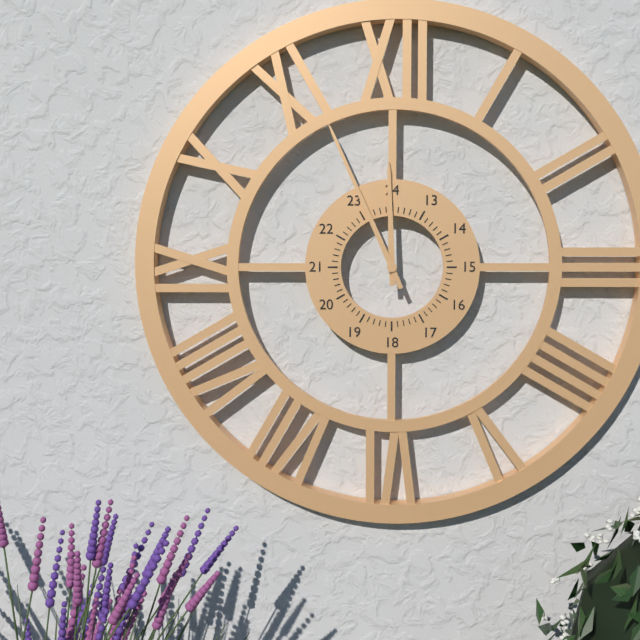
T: 11:56
